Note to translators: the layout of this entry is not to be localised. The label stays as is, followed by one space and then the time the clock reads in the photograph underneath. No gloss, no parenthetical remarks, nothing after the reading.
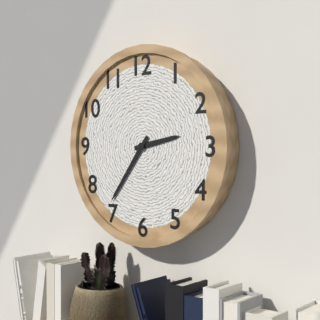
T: 2:36
